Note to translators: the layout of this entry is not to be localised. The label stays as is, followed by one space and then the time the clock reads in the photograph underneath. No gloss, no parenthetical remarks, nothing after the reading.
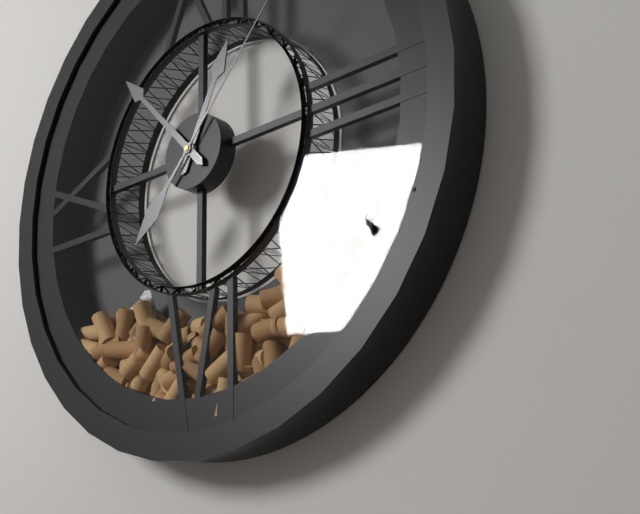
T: 12:53
